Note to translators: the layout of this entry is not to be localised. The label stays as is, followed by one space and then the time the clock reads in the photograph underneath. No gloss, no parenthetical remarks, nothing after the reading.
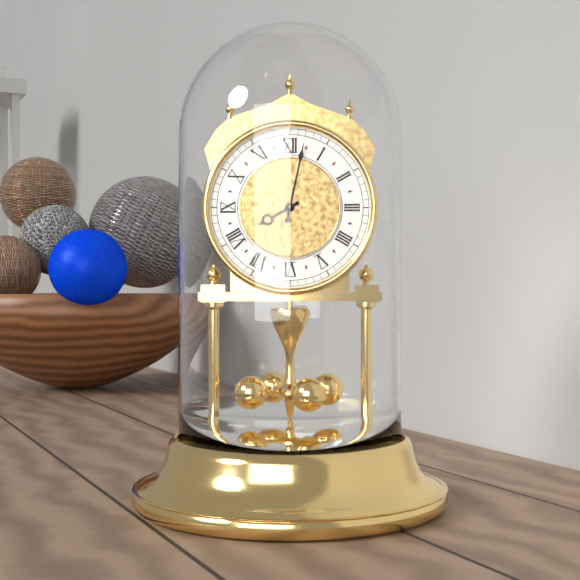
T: 8:02
